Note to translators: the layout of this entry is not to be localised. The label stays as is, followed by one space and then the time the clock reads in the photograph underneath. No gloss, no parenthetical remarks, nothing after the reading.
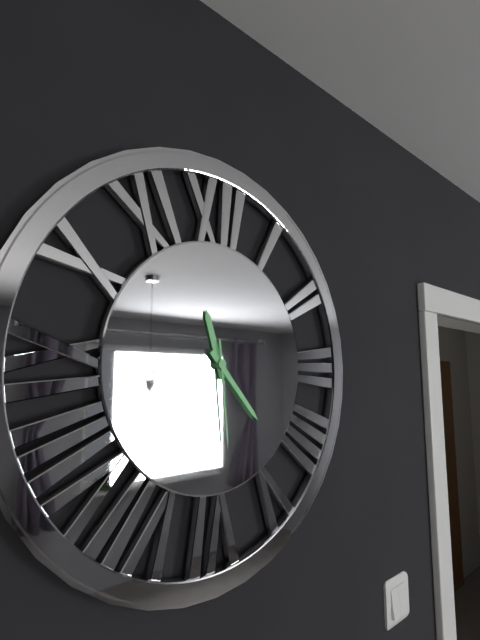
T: 11:23:29
